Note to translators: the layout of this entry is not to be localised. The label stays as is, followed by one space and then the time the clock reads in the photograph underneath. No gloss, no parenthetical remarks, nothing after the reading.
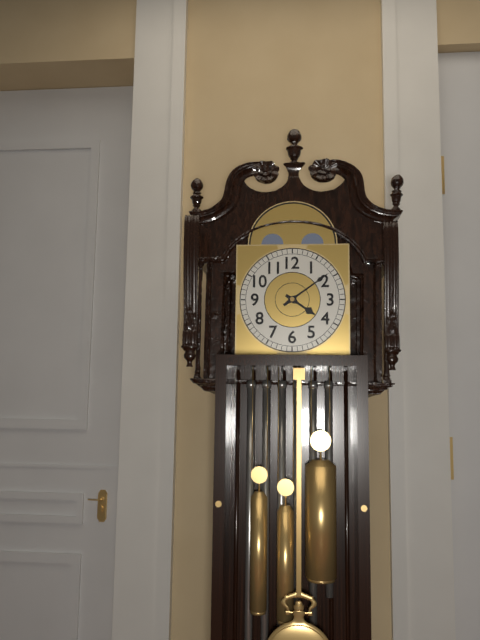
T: 4:09
